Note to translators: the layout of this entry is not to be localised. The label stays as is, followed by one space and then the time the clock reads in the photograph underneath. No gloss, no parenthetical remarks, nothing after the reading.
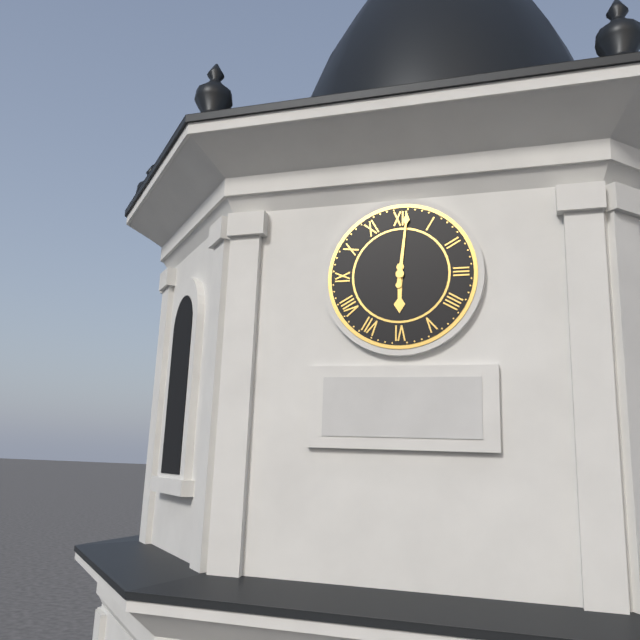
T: 6:01
